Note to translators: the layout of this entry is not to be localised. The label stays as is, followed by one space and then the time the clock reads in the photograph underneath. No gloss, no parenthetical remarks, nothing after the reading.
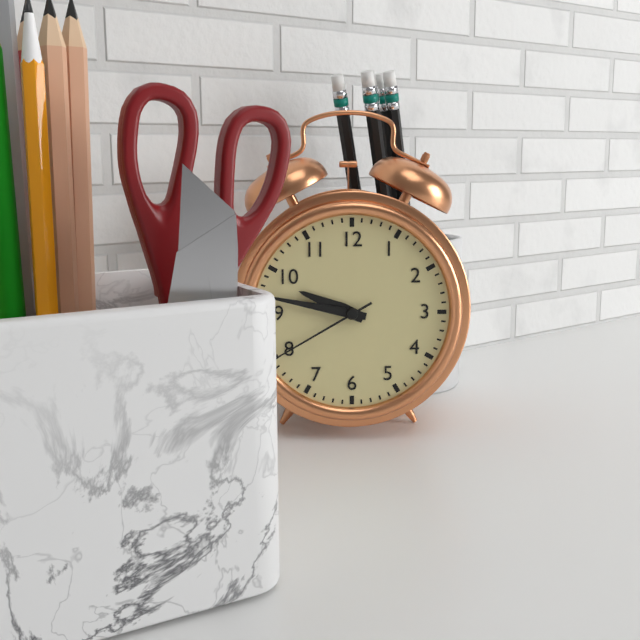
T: 9:47:40
